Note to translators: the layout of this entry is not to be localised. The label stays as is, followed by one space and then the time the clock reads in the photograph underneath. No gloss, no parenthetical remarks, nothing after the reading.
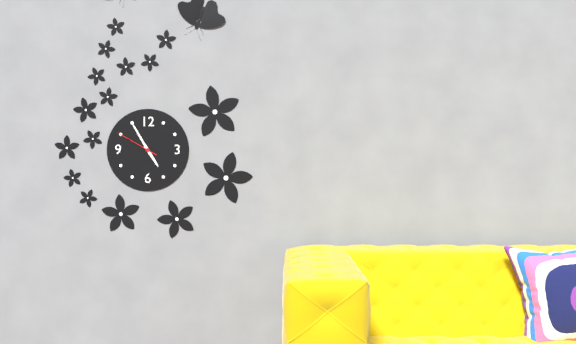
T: 4:55
